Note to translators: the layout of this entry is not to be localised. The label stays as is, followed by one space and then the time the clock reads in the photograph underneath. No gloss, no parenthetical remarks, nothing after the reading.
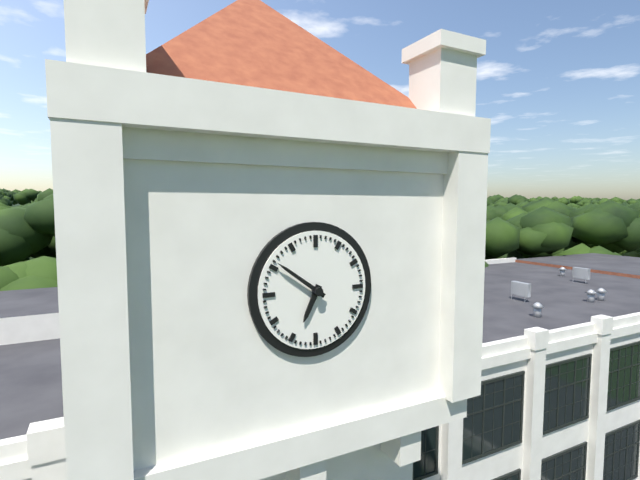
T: 6:51
